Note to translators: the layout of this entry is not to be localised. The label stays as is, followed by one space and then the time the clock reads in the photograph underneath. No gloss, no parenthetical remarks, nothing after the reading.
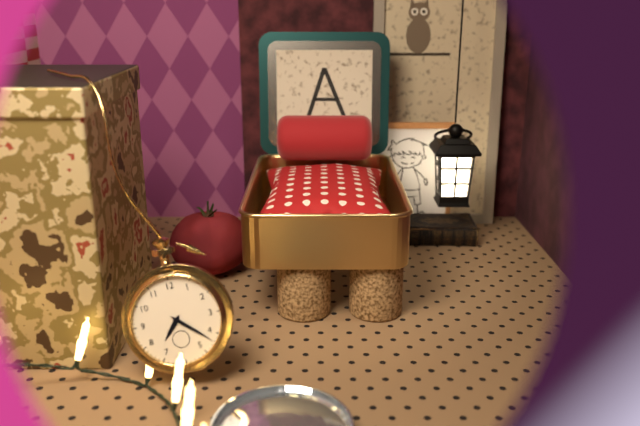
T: 7:22
